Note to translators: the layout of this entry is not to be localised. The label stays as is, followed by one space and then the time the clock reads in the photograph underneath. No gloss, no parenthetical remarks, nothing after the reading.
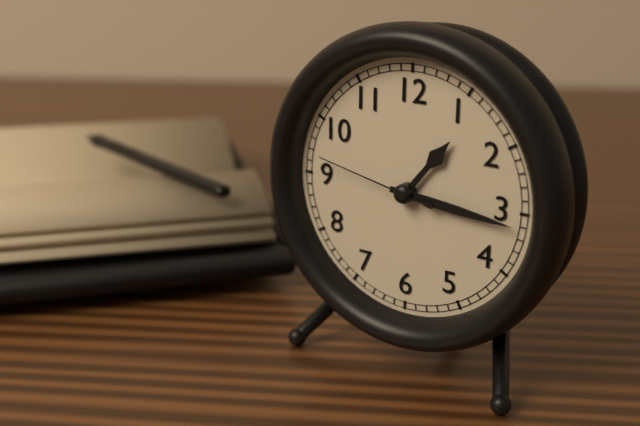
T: 1:16:47
